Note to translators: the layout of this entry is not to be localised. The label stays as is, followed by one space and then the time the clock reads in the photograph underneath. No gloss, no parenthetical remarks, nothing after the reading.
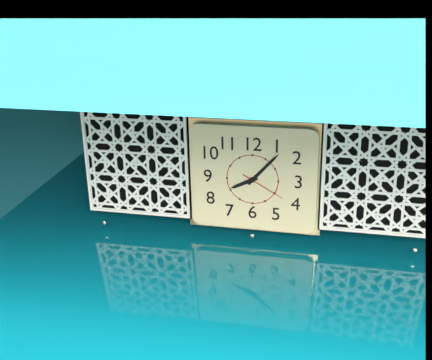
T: 8:07
